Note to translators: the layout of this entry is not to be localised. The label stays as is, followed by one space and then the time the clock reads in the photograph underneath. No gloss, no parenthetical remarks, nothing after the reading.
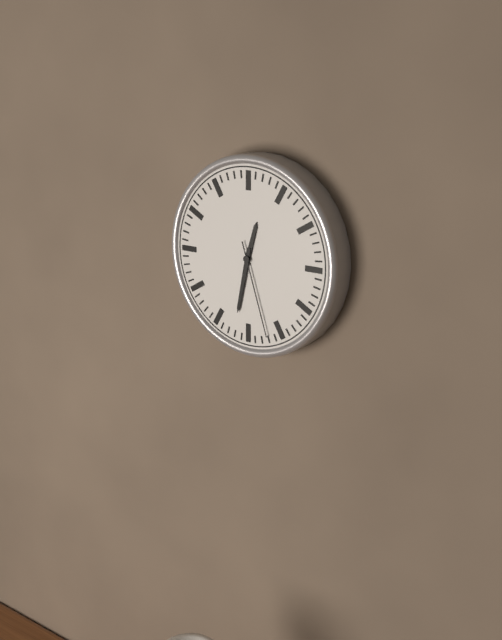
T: 12:32:27
